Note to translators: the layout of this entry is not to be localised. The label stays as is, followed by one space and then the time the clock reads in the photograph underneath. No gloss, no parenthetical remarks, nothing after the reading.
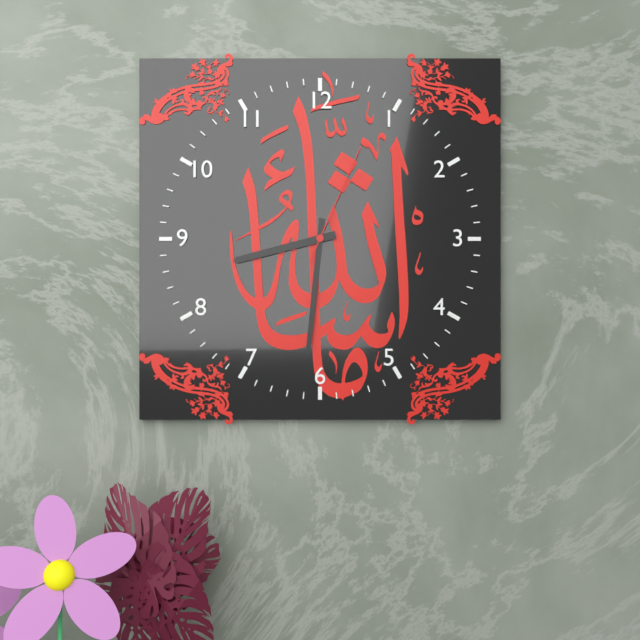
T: 8:31:04
